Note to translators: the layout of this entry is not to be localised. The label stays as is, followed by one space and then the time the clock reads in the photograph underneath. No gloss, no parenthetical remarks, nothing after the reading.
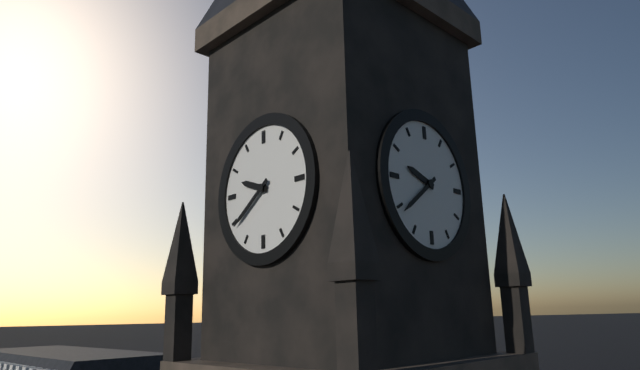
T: 9:39
